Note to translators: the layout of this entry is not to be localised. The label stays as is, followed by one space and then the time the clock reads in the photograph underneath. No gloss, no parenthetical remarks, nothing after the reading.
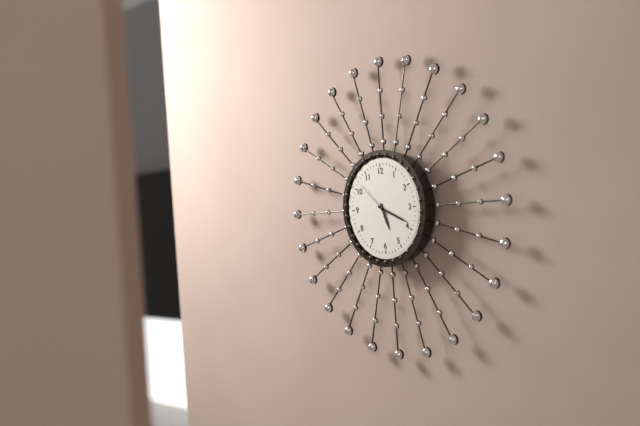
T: 5:19
